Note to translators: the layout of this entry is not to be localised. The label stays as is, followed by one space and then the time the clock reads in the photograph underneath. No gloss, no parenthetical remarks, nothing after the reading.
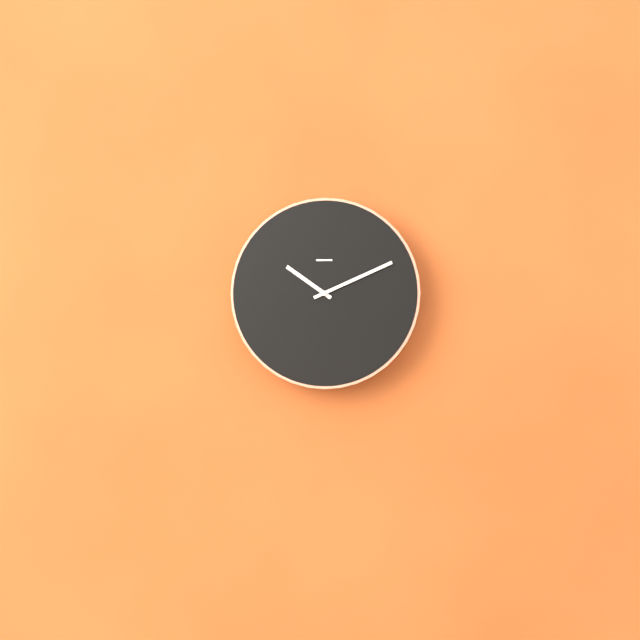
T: 10:11
